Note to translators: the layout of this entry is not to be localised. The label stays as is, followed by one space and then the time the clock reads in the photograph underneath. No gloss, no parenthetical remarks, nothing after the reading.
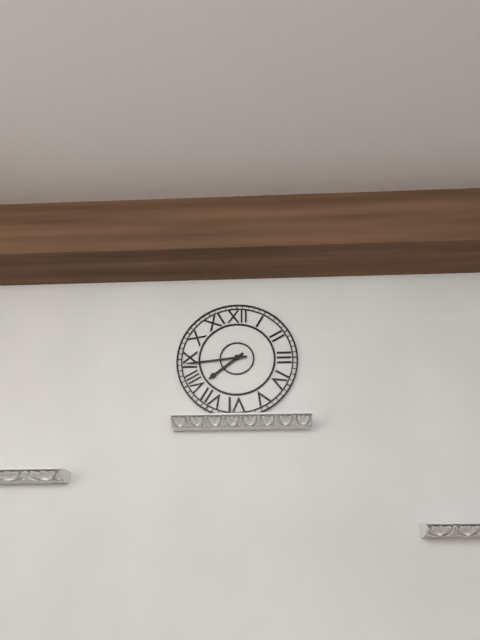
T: 7:44
